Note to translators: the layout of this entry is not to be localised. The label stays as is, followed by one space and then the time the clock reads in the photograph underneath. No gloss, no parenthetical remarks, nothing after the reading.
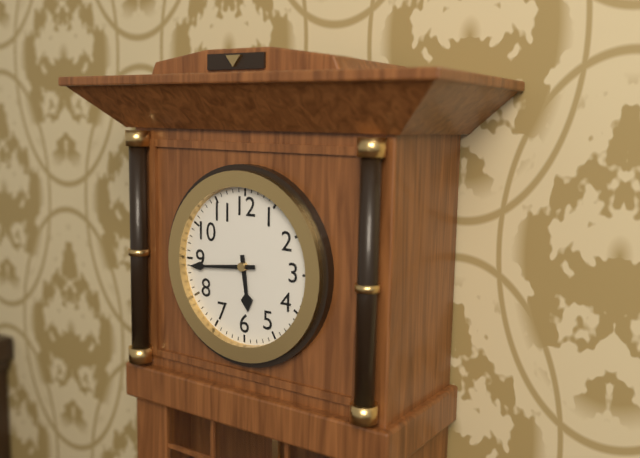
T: 5:44
